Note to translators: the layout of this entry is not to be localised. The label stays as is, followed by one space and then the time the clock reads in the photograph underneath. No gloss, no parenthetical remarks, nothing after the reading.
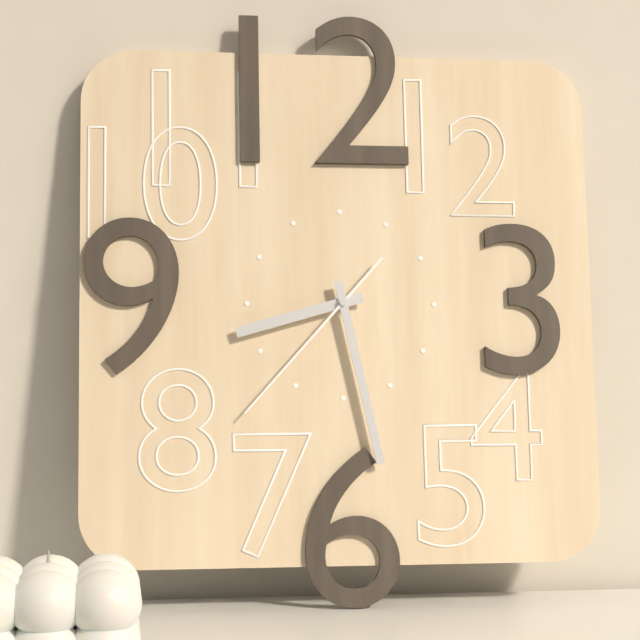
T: 8:28:37
